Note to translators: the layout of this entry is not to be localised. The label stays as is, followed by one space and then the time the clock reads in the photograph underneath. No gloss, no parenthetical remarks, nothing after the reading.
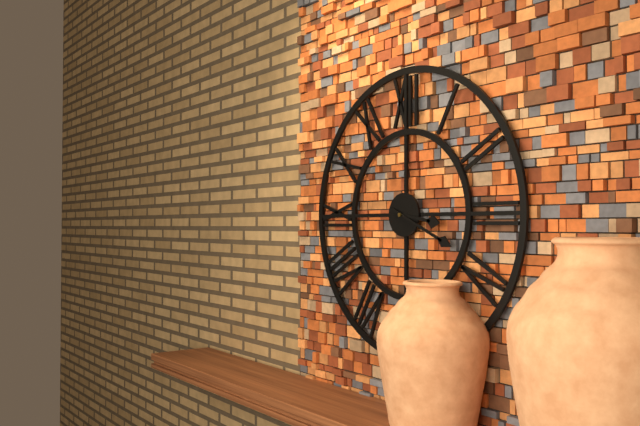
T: 3:19
